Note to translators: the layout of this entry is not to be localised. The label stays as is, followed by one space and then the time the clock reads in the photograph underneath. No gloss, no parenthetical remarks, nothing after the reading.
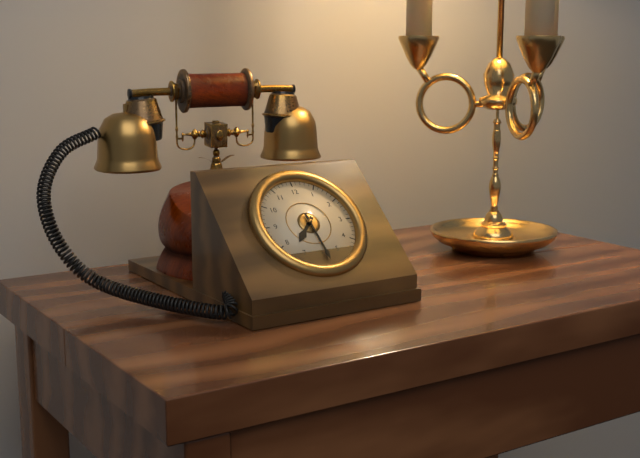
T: 7:29
